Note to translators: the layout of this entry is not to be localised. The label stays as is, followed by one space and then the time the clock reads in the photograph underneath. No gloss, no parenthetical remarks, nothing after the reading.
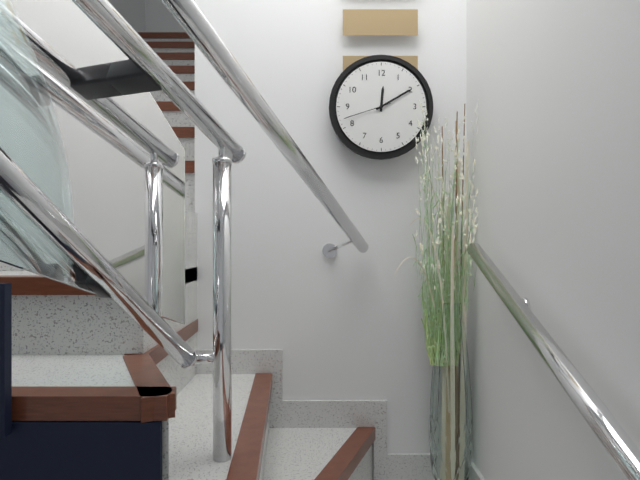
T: 12:10
